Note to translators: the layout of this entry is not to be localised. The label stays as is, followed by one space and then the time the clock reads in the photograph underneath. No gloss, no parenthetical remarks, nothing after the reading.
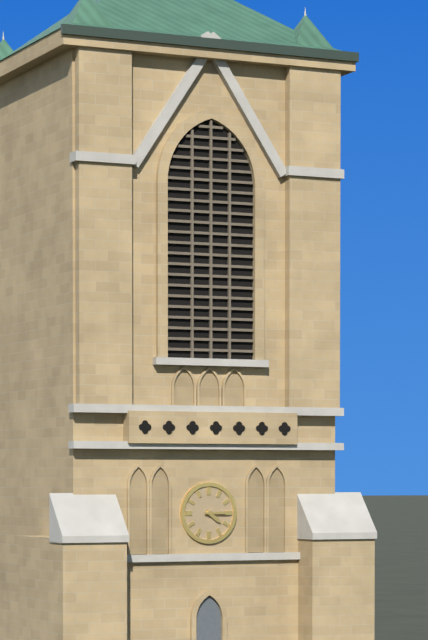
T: 4:15
